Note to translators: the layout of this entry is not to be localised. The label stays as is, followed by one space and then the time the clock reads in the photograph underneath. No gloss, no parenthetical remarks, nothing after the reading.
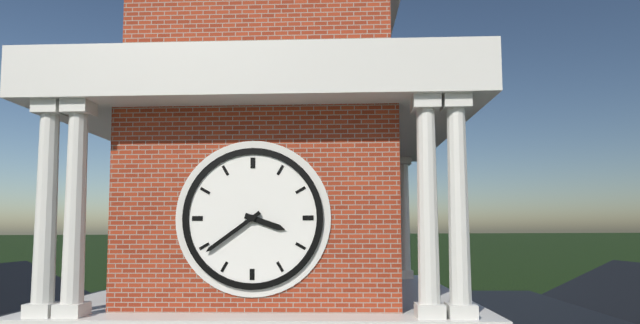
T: 3:39
